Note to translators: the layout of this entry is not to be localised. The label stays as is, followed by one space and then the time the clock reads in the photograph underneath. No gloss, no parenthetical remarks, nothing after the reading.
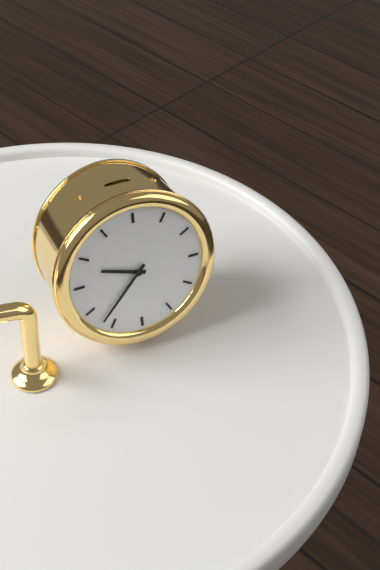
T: 9:37
